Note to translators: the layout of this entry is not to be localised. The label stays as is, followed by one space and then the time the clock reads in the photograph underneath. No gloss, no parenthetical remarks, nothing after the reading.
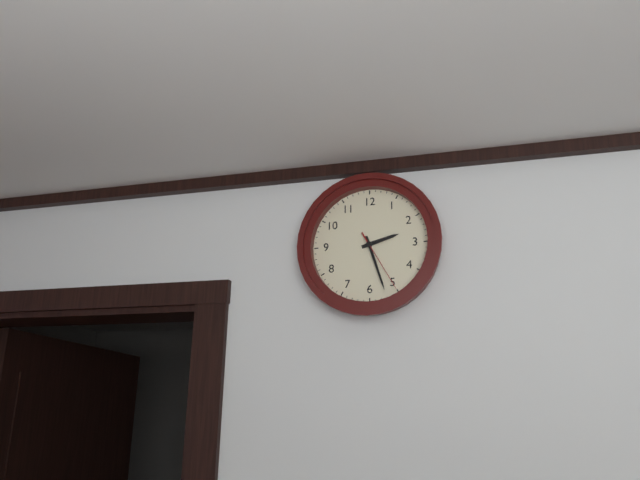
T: 2:27:25
